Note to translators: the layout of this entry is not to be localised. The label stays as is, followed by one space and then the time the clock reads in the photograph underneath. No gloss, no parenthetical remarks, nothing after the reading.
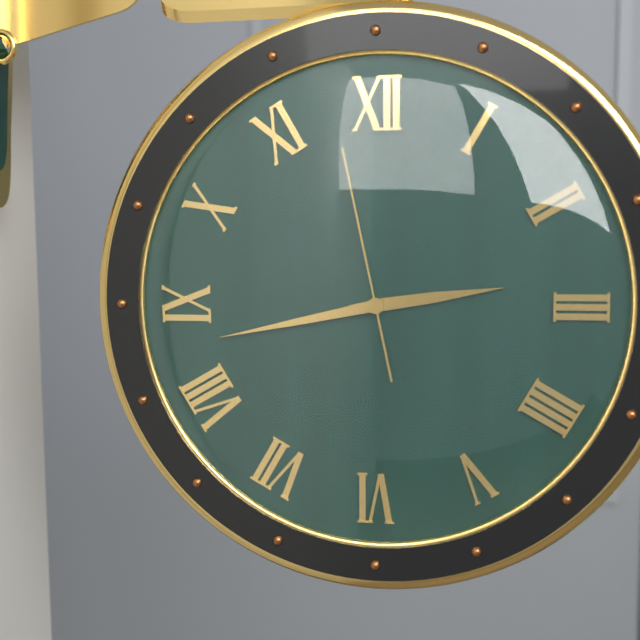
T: 2:43:58
